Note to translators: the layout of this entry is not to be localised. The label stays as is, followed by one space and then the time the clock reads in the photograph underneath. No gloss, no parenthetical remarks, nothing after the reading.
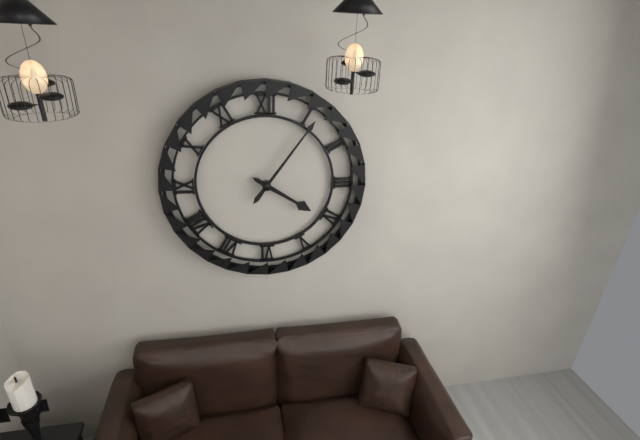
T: 4:06
